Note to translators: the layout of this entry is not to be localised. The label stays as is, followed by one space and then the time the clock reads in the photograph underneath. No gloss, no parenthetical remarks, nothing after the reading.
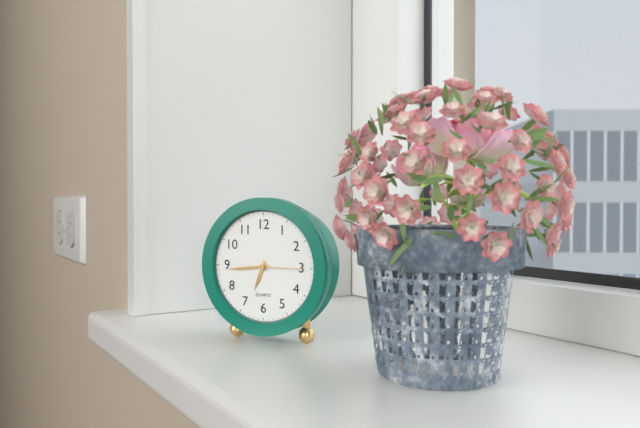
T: 6:44:15
